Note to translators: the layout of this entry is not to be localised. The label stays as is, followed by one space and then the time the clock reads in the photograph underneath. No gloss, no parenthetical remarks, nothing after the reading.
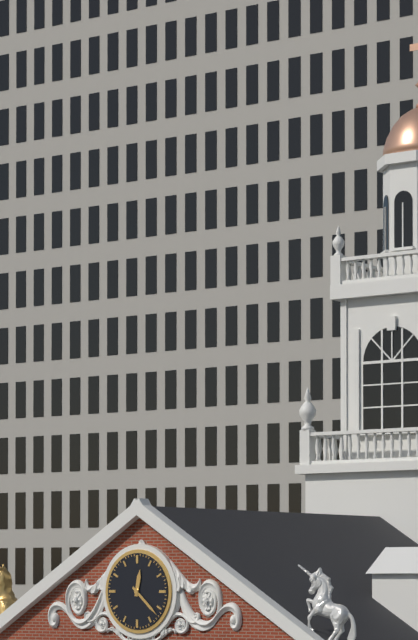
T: 12:22
